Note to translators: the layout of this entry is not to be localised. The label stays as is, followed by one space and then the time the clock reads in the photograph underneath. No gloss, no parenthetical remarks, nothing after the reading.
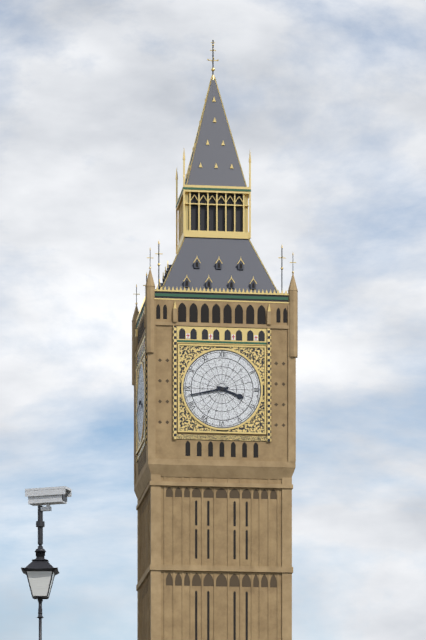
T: 3:43
